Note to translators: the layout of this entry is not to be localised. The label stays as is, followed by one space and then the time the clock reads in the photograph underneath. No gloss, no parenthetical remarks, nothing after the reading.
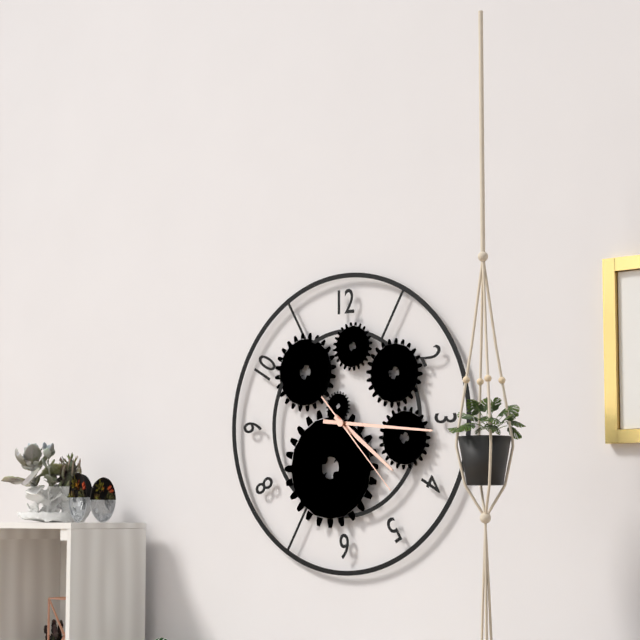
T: 4:16:23
